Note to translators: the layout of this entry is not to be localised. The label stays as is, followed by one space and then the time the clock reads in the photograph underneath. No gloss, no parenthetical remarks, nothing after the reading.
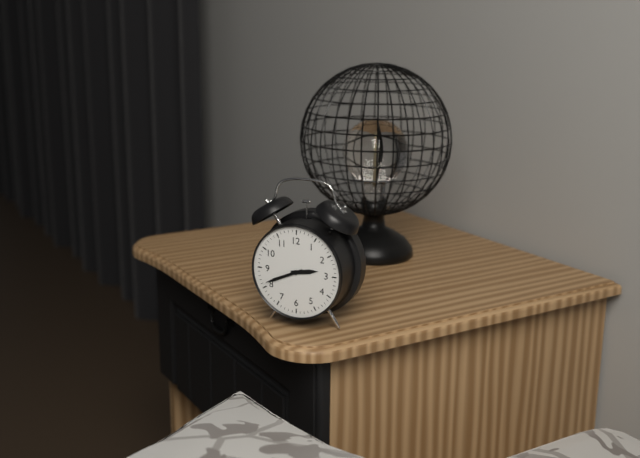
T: 2:41
